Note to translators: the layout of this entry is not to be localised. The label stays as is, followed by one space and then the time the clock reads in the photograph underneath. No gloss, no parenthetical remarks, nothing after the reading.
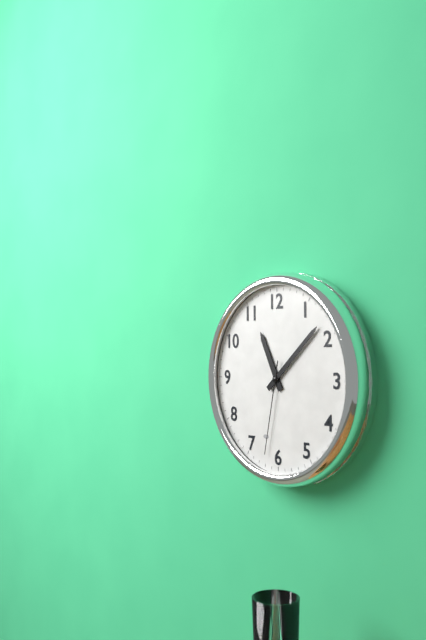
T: 11:08:32
